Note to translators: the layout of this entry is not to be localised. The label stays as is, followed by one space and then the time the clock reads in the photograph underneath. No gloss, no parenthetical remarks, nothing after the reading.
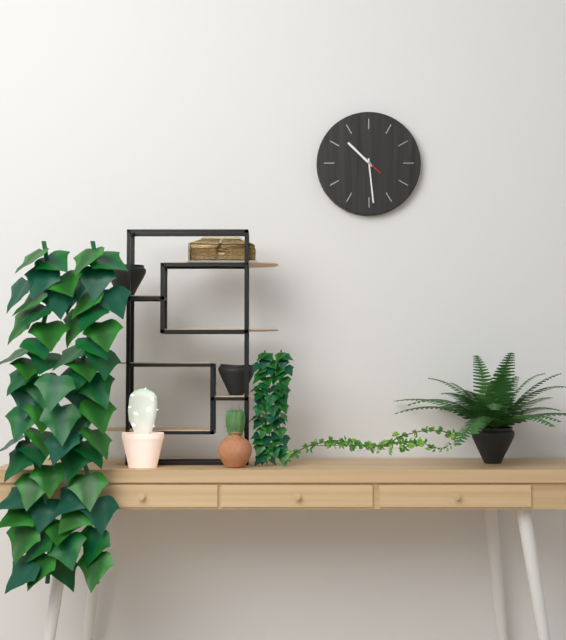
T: 10:29
